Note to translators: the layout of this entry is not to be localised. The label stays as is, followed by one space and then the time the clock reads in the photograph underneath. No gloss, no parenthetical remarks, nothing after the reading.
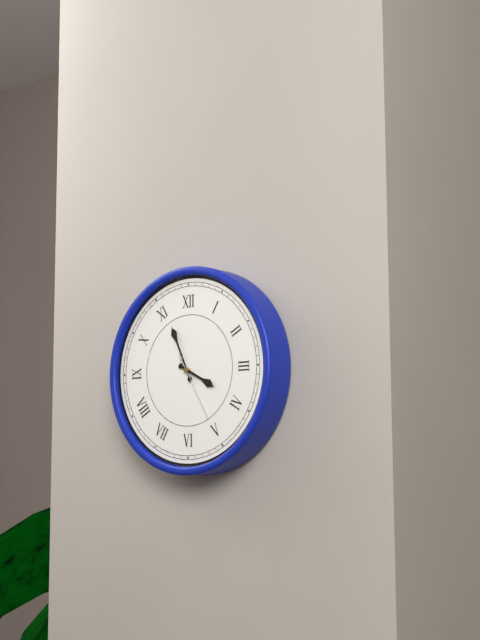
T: 3:56:25
